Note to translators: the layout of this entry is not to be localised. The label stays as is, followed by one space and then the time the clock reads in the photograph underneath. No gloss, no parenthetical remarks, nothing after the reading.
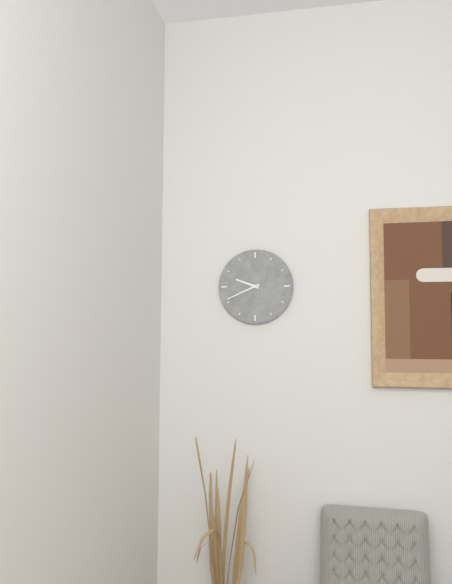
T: 9:41
